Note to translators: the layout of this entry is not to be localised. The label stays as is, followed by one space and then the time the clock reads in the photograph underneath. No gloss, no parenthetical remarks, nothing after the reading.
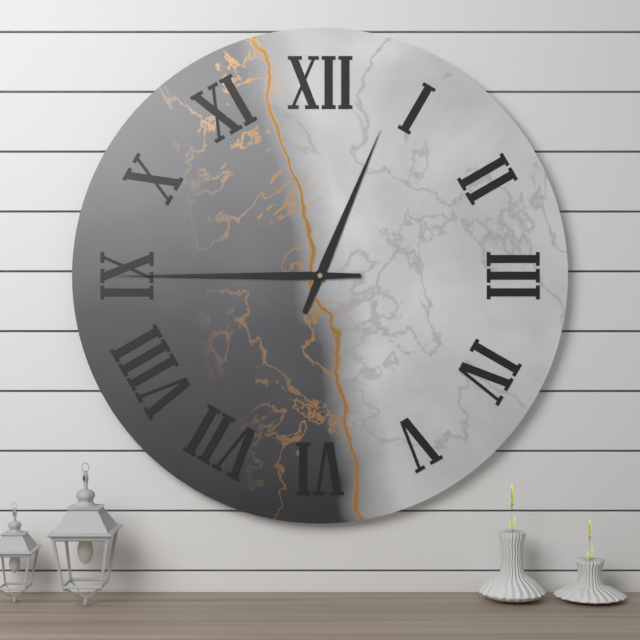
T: 12:45
